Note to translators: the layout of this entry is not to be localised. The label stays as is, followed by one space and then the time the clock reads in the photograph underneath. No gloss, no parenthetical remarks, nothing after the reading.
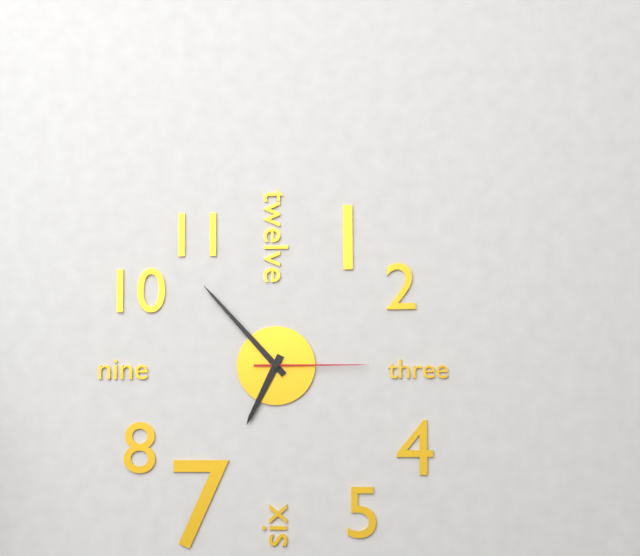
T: 6:53:15
